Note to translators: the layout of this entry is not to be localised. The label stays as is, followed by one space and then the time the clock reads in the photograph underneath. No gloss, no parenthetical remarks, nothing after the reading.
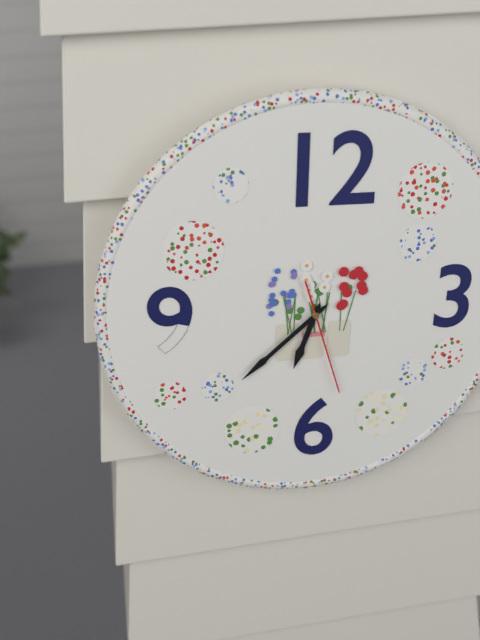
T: 6:38:27
